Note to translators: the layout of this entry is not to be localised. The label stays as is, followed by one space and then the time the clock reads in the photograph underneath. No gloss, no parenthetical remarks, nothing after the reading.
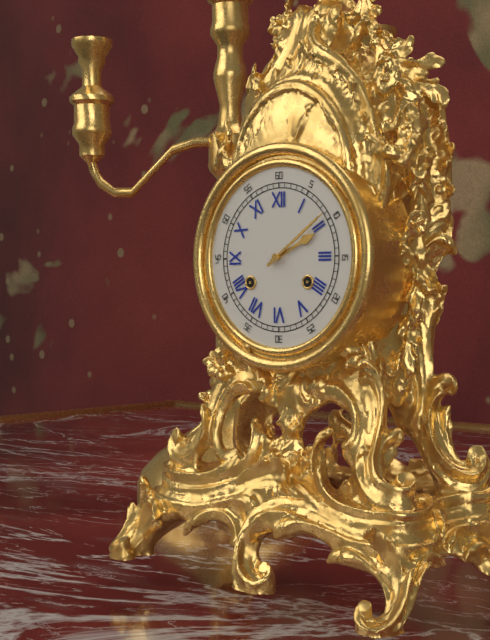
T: 2:09
